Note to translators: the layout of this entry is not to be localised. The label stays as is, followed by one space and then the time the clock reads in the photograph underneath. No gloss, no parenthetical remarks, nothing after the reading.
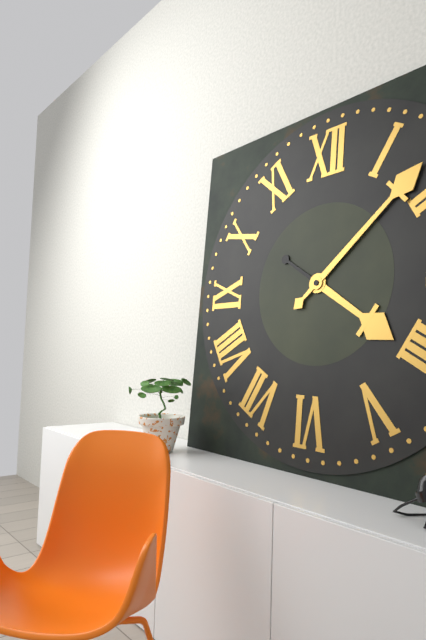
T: 4:08
